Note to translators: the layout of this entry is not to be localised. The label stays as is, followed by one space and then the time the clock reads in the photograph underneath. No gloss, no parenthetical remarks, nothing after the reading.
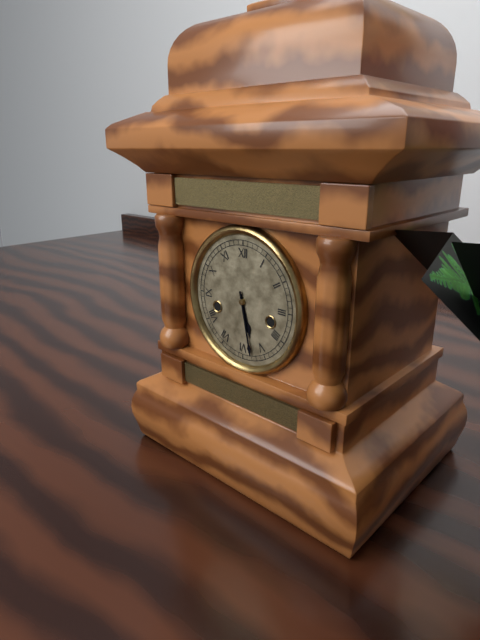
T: 5:28
